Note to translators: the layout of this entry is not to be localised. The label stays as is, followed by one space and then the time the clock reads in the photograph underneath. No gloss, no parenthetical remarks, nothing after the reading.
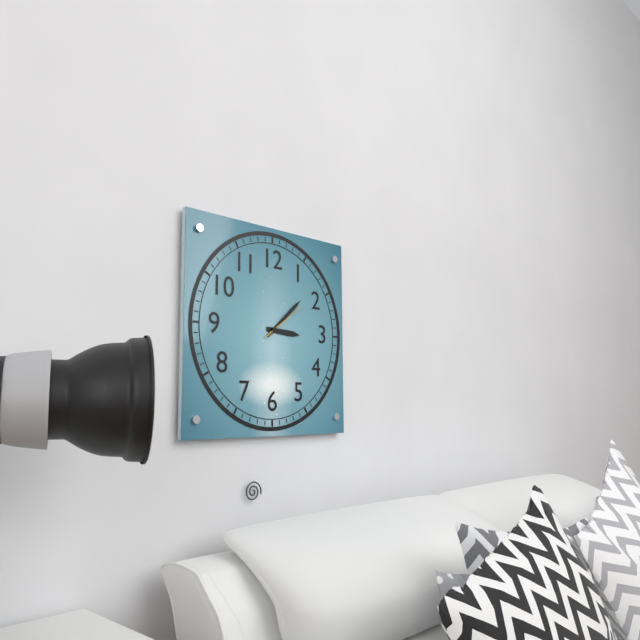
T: 3:08
